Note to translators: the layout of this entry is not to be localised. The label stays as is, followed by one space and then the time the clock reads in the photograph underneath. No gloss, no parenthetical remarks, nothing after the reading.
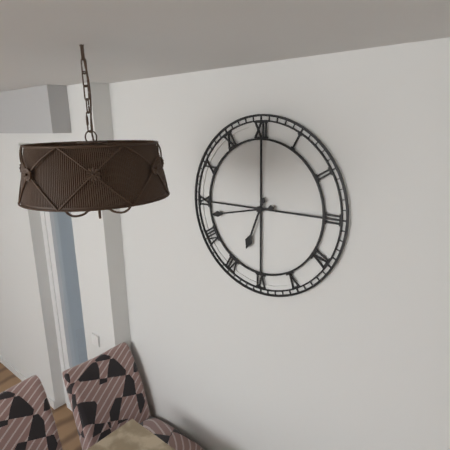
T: 6:43
